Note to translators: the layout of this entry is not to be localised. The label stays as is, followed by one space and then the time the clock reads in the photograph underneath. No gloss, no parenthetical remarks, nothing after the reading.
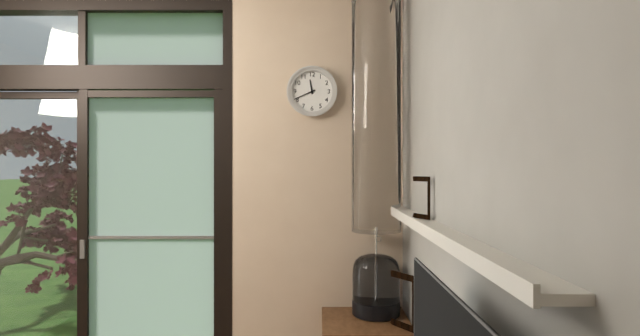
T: 11:41
